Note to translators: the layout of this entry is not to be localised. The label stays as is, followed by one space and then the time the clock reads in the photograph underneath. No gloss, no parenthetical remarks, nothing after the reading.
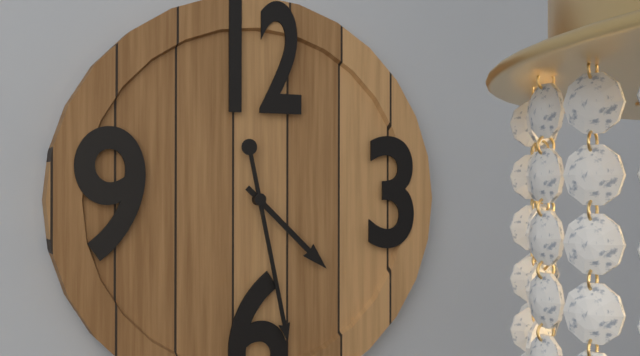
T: 4:28
